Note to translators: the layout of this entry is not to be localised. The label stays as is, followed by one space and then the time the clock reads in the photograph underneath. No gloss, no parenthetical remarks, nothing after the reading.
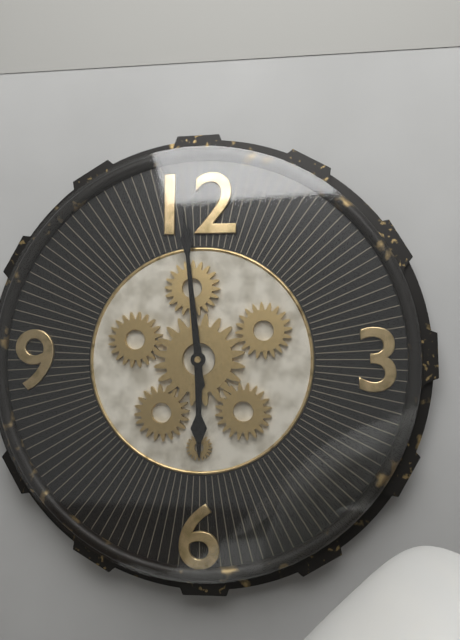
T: 5:59
